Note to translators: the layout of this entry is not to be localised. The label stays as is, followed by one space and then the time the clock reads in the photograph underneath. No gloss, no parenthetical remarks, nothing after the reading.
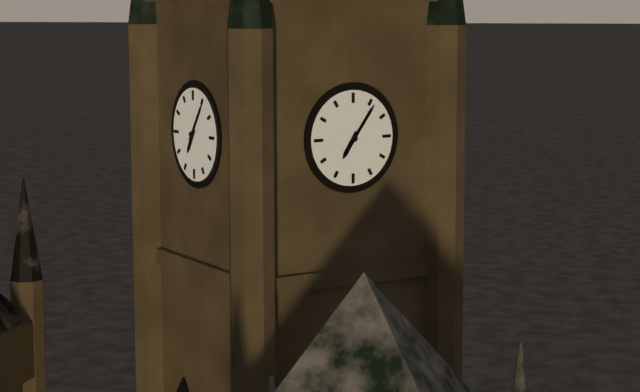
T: 7:06
